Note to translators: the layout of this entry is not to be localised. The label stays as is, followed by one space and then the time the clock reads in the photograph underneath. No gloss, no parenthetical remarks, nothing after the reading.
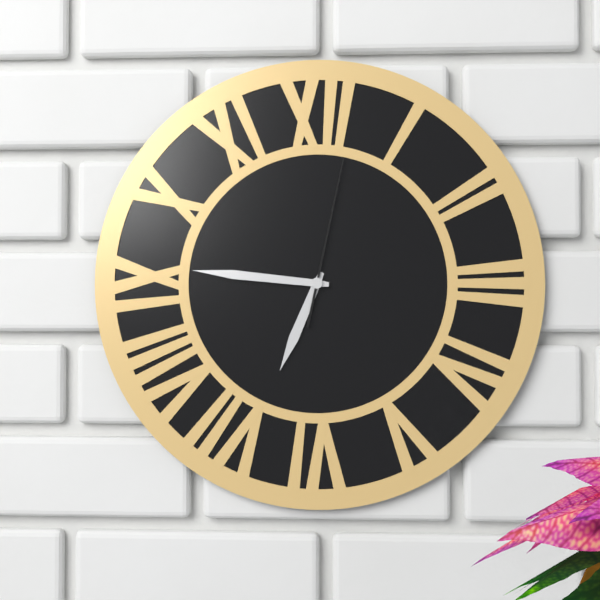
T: 6:46:02
